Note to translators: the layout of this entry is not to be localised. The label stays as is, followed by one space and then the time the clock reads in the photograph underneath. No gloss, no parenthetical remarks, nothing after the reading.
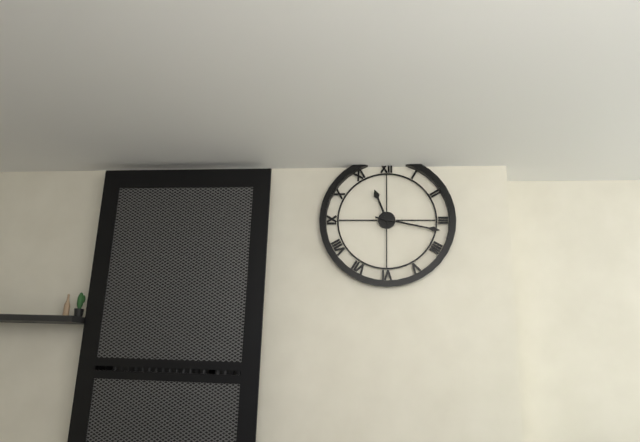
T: 11:17
